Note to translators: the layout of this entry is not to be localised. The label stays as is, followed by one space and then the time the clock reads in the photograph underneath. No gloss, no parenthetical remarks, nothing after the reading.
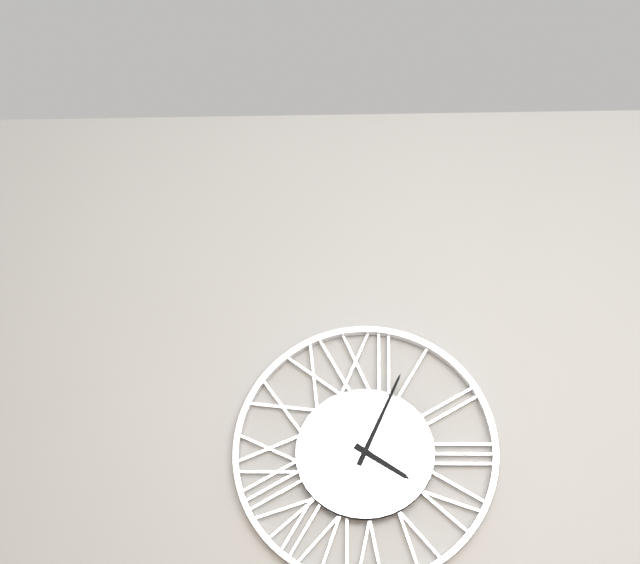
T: 4:04
